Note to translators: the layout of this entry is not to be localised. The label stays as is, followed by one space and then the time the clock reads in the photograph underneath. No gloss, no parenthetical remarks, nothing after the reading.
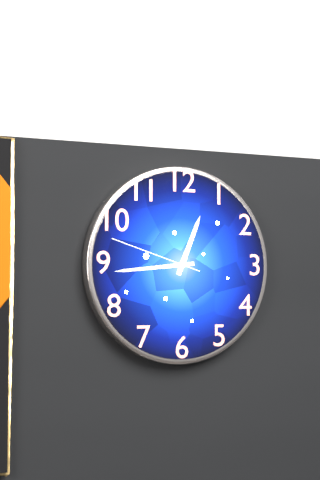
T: 12:44:48
